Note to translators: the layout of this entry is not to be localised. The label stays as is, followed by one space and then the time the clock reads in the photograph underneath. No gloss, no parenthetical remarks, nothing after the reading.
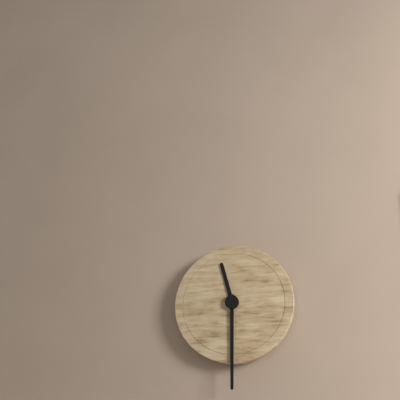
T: 11:30
